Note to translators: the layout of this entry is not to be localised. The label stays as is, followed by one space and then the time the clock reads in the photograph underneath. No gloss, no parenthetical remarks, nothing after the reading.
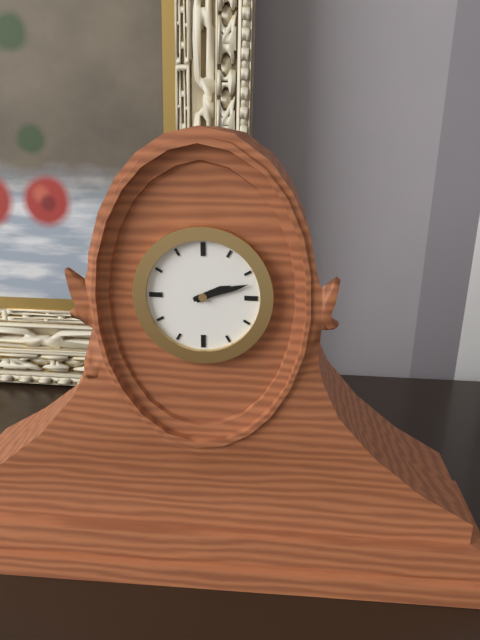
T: 2:12
